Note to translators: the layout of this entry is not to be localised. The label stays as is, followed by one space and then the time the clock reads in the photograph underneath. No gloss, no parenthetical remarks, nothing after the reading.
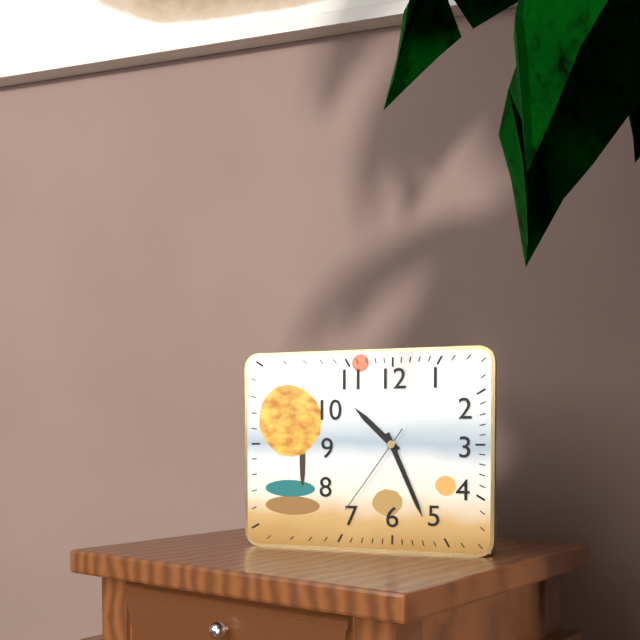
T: 10:26:36
